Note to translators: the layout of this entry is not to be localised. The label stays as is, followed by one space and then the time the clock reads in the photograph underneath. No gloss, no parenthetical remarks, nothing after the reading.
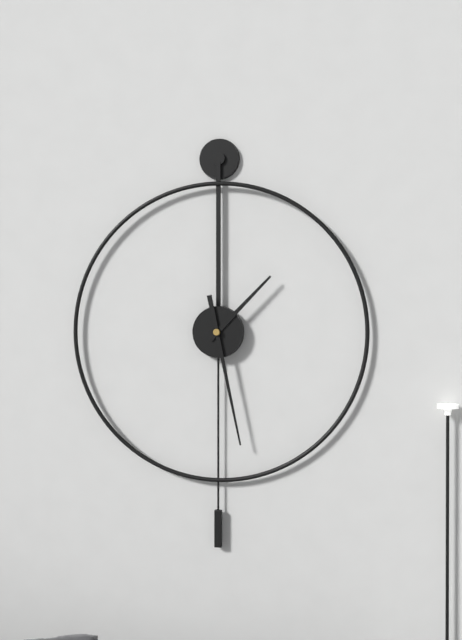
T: 1:28
